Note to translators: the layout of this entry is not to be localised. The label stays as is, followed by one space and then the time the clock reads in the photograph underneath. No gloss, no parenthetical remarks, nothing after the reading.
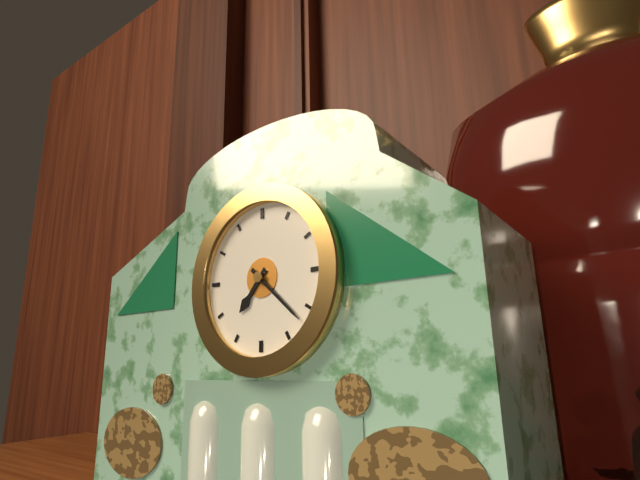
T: 7:22
